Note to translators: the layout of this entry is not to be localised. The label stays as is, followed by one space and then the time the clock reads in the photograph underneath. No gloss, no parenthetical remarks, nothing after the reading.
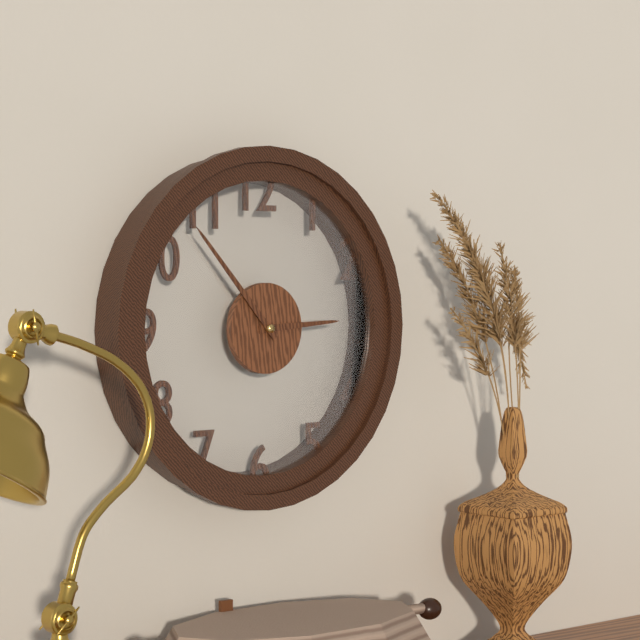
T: 2:53
